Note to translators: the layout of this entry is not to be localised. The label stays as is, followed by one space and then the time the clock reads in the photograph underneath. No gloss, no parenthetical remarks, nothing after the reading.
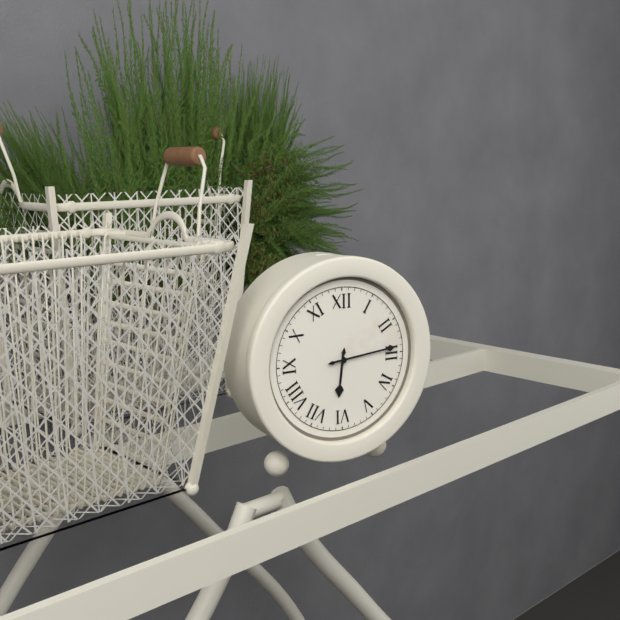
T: 6:14
